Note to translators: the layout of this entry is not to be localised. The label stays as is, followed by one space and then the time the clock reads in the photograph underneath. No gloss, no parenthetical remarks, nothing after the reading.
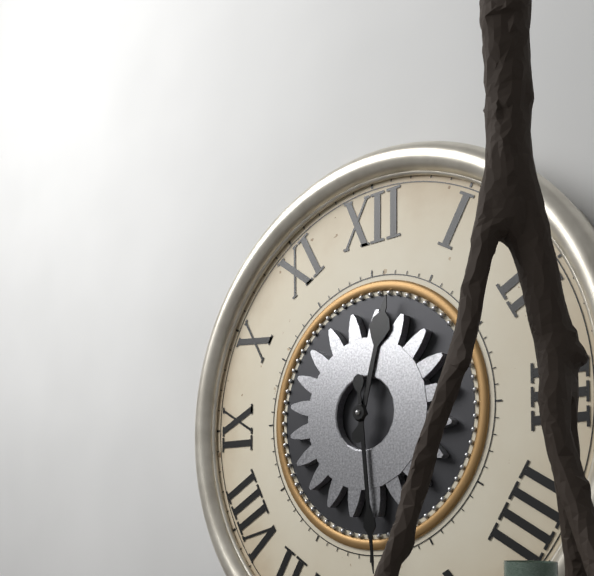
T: 12:29
